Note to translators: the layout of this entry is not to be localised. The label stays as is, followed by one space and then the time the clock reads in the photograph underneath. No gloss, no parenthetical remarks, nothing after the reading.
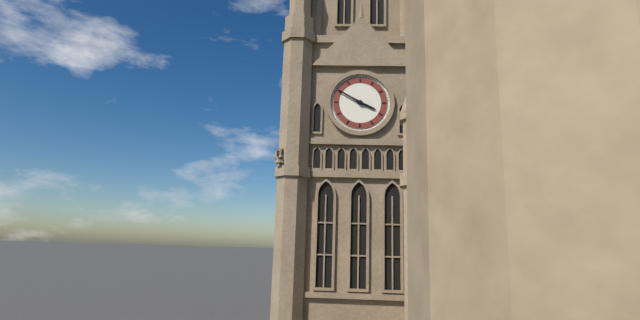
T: 3:50
